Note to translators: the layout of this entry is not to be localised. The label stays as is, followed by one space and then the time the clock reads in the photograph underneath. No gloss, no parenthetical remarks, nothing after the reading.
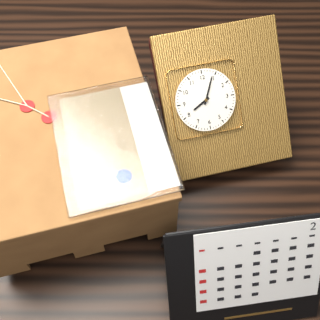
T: 8:04
